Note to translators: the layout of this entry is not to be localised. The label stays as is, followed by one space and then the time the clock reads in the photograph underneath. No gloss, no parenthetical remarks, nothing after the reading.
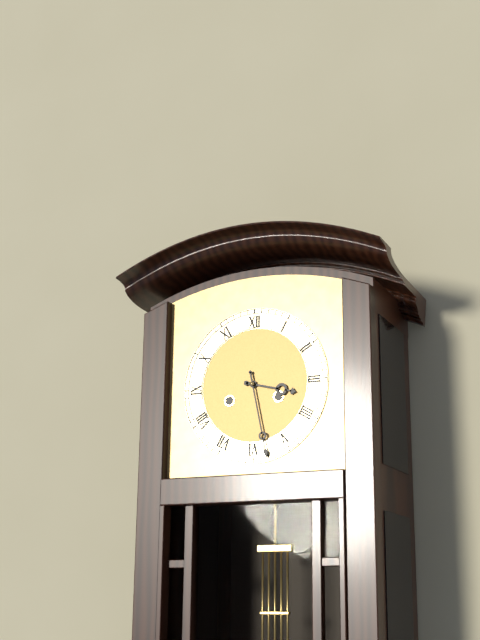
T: 3:28
